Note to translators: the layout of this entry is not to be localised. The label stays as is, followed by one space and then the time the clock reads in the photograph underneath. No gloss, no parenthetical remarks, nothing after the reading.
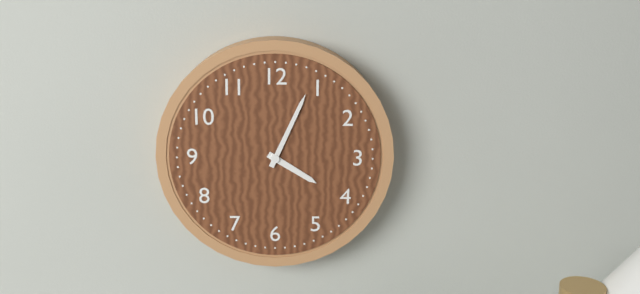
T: 4:04
